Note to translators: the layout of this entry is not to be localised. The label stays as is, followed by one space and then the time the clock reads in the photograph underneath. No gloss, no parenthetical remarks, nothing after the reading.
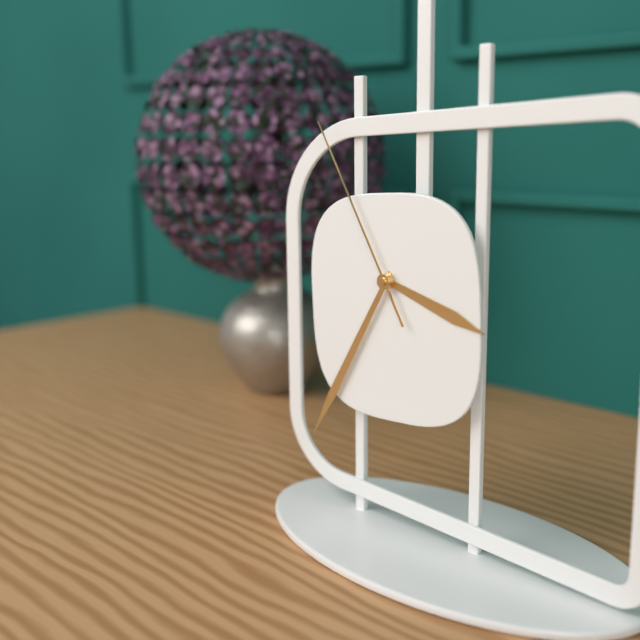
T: 3:35:55
